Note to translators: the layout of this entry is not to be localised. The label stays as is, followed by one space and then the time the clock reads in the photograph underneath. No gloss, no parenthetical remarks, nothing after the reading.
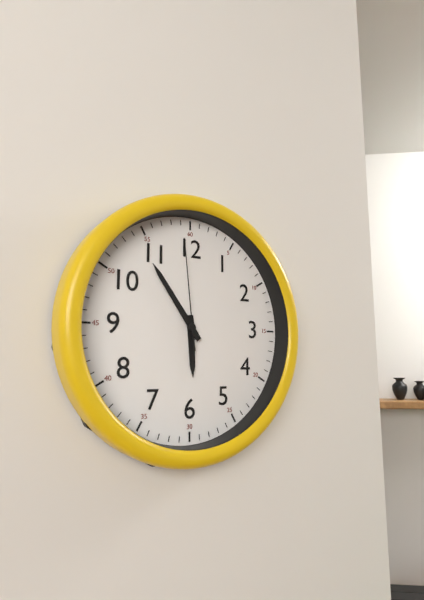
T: 5:54:59
